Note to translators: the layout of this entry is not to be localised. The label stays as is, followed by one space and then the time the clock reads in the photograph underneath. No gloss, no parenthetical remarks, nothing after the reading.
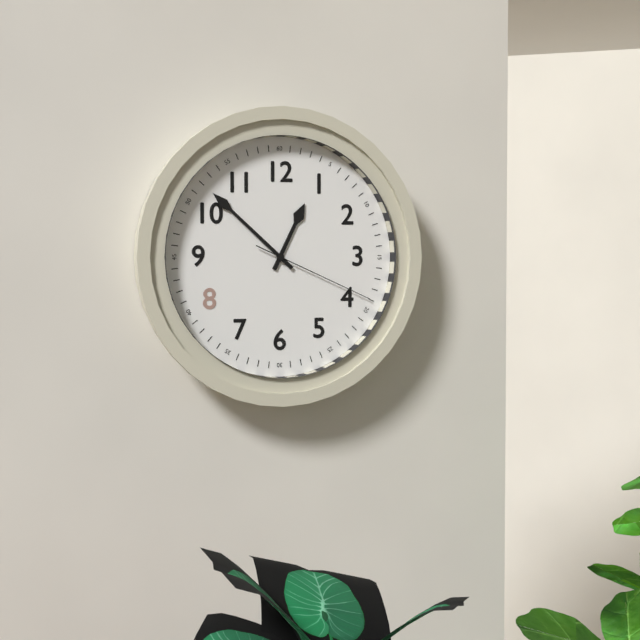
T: 12:52:19
